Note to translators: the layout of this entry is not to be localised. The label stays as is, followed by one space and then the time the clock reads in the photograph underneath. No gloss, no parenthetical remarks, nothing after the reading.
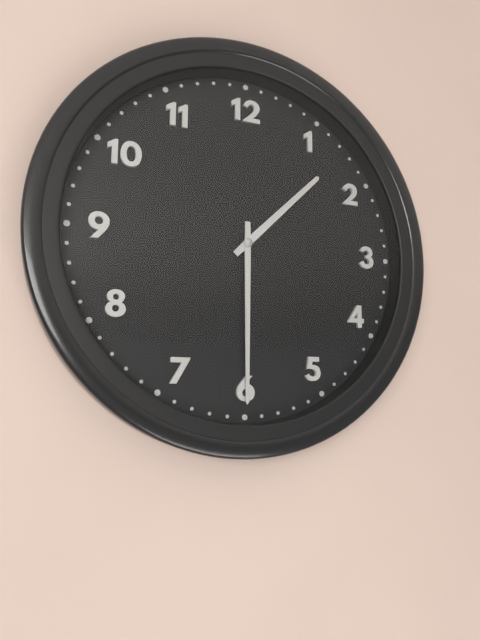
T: 1:30
